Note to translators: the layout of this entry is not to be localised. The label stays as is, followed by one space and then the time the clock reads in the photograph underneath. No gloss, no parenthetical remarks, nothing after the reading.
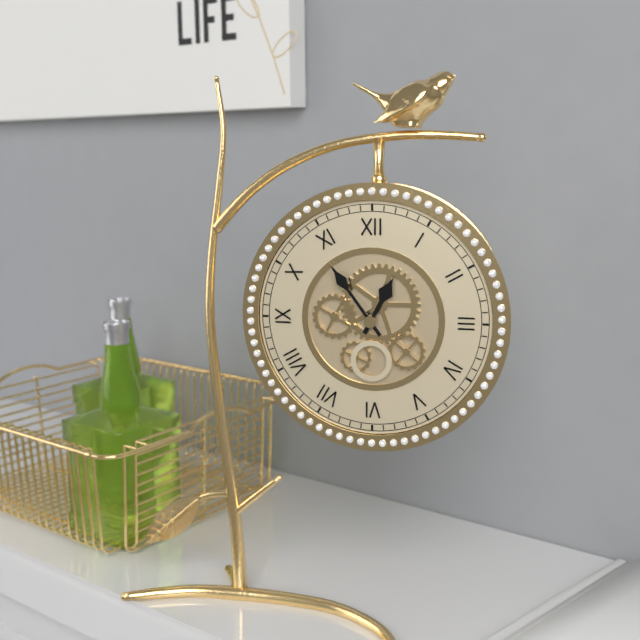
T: 12:54
